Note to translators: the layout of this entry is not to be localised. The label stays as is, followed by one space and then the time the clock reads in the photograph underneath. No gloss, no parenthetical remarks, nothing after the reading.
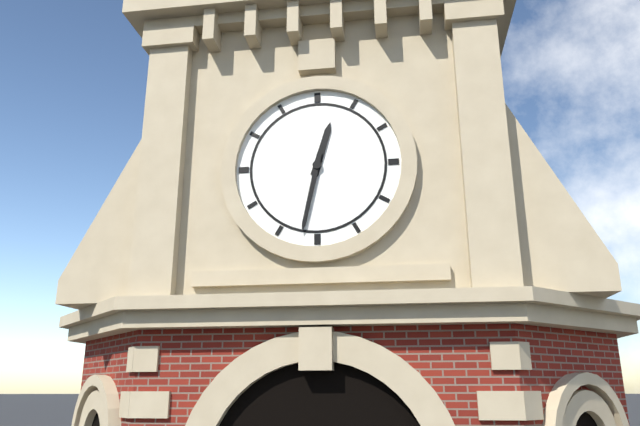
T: 12:32
